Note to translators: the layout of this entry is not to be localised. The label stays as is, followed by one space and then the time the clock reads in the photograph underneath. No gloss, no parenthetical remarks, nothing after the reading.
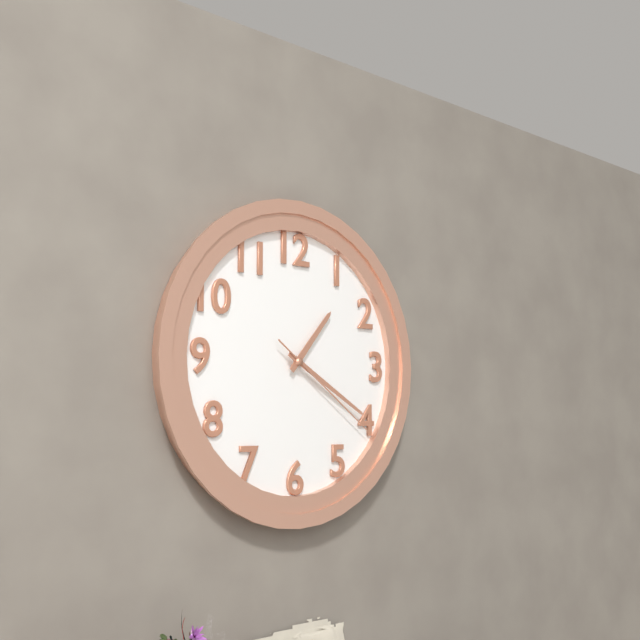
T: 1:20:21
